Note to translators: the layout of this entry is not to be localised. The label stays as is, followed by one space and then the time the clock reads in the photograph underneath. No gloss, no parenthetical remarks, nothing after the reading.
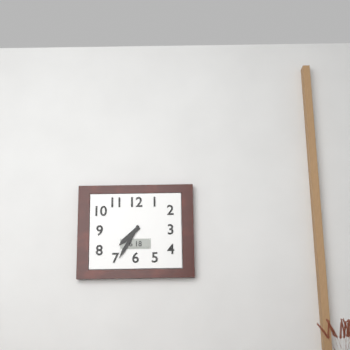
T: 7:35
